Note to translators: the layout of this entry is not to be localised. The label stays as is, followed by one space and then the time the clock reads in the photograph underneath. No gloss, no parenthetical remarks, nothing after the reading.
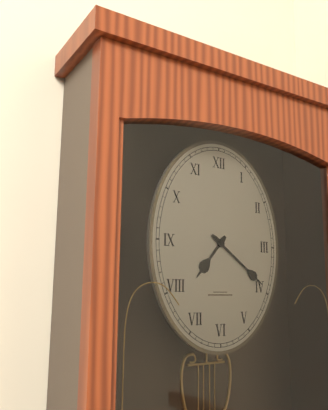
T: 7:21
